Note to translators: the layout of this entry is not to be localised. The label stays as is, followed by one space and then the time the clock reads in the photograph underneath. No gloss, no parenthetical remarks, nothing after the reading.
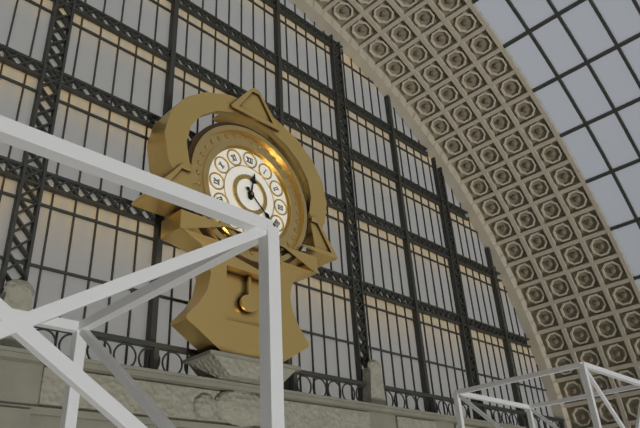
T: 12:22
